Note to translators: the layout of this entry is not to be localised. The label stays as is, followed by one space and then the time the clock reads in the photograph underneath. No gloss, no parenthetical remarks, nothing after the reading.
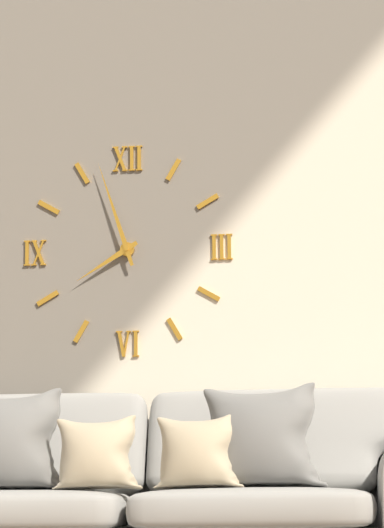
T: 7:57
